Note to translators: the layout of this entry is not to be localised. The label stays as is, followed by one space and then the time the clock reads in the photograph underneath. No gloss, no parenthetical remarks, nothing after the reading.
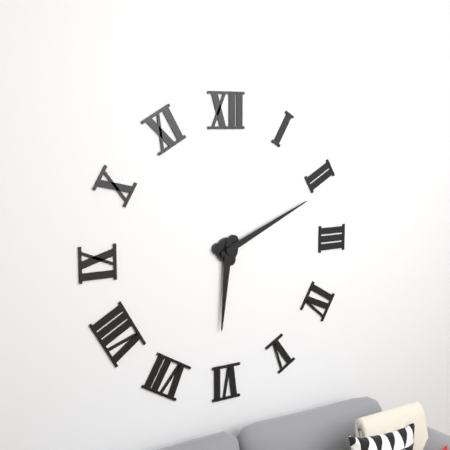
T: 6:11
